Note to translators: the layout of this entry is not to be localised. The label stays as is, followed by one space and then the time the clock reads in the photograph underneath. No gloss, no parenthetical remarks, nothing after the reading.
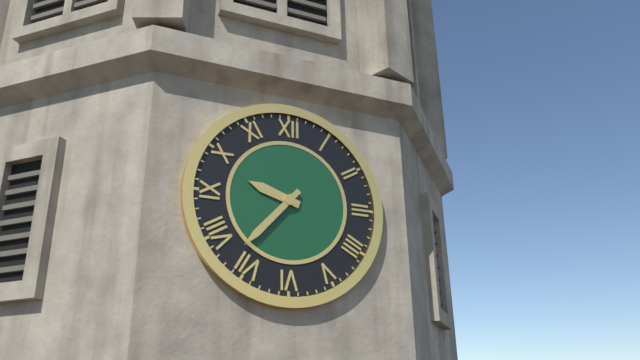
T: 9:37
